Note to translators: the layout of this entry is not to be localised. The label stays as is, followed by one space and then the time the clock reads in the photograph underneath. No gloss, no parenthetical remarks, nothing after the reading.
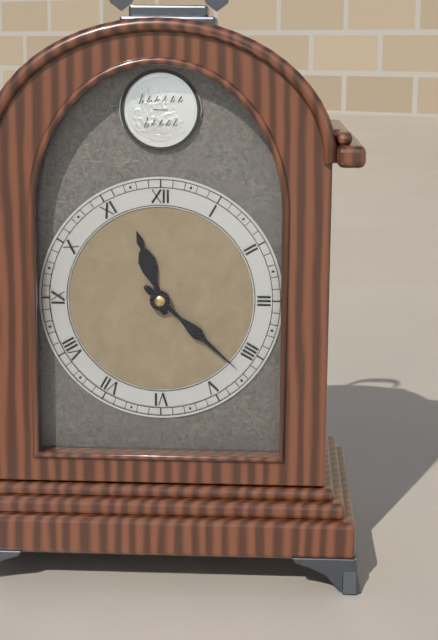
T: 11:22
